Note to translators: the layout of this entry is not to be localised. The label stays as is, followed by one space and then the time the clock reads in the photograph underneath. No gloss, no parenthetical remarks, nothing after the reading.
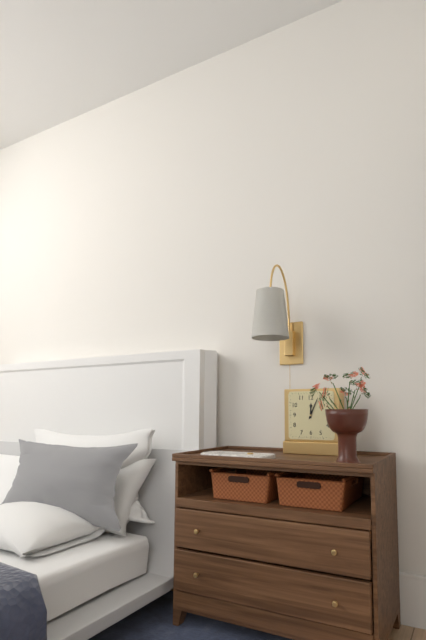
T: 12:04
